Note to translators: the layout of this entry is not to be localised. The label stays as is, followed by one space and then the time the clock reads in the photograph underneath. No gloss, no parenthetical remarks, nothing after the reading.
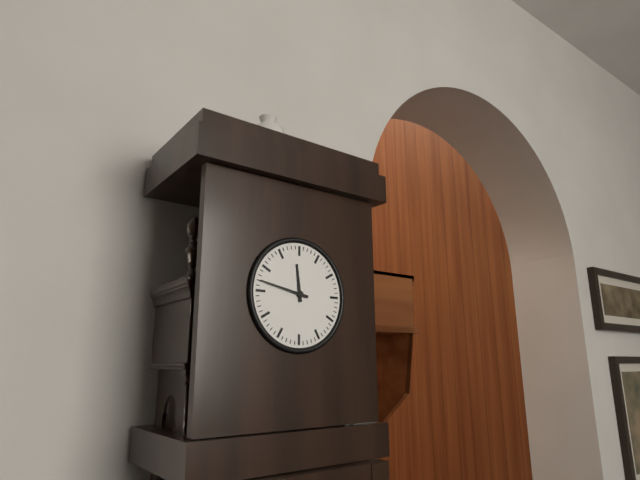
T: 11:47
